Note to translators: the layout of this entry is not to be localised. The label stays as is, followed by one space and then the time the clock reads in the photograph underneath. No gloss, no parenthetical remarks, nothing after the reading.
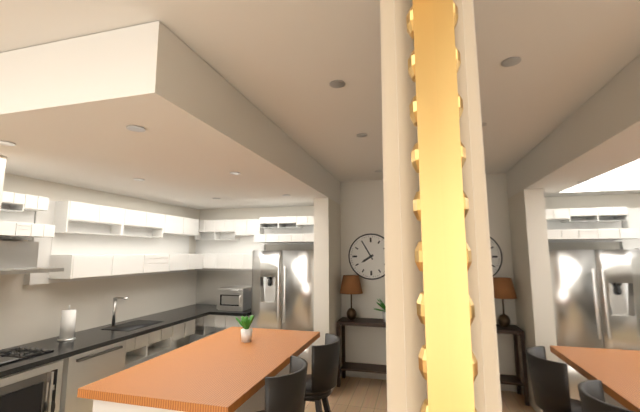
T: 7:55
